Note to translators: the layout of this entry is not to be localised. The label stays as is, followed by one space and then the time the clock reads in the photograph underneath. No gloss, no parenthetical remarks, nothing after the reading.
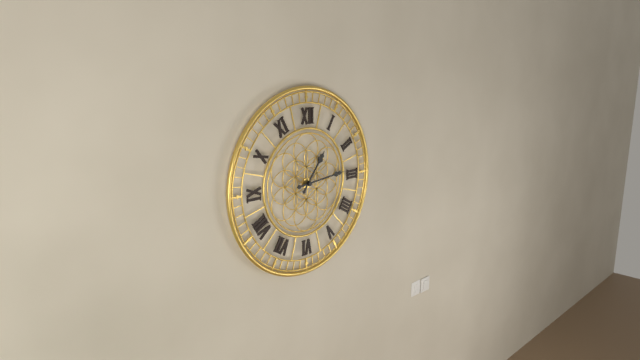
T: 1:14
